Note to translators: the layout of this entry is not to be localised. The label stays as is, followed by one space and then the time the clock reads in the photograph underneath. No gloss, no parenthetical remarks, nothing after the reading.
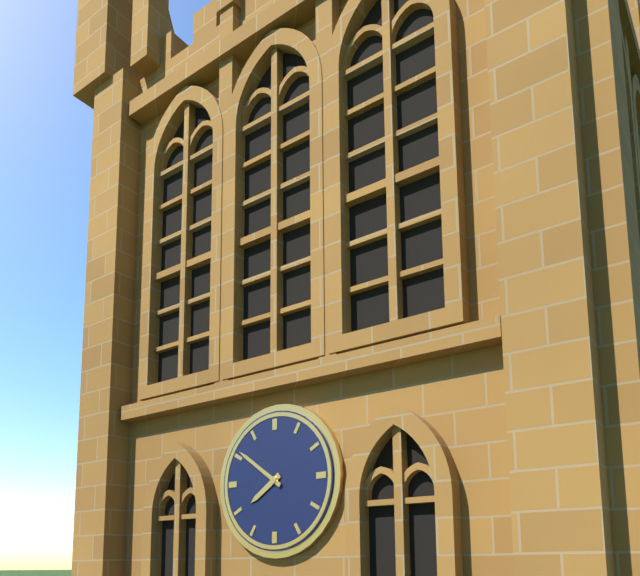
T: 7:51
